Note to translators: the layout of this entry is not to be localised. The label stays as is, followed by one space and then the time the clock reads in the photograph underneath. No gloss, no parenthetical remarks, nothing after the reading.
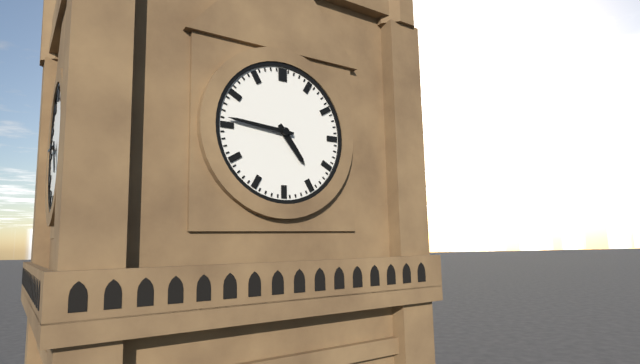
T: 4:46
